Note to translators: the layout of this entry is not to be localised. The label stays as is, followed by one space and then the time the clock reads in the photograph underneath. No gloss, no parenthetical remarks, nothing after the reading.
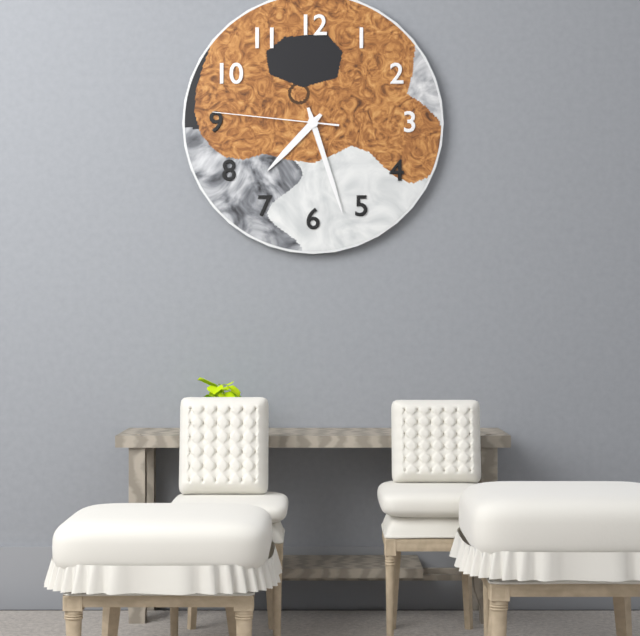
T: 7:27:46
